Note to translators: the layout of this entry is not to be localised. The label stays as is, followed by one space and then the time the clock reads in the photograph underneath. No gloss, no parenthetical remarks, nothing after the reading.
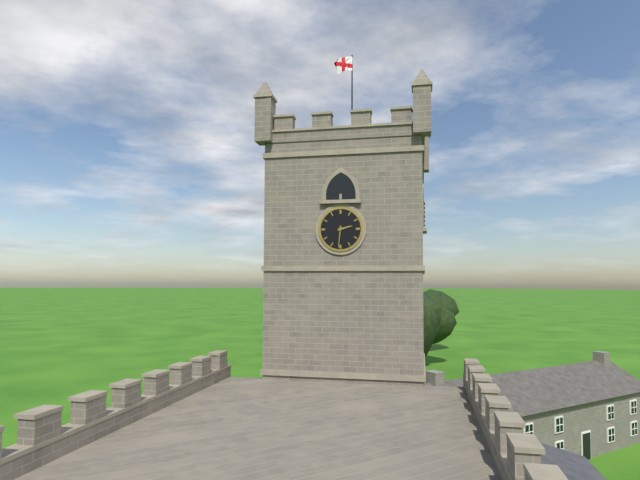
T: 2:31
